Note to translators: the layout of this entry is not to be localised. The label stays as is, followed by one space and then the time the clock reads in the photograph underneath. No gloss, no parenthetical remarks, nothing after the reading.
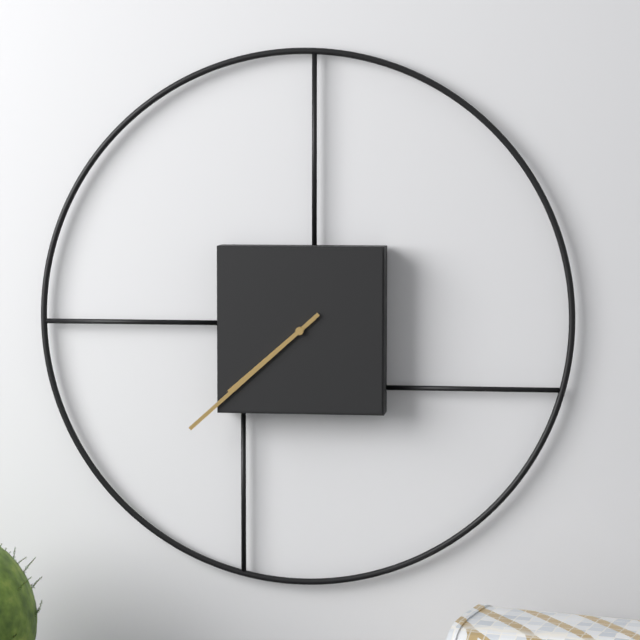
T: 7:38
